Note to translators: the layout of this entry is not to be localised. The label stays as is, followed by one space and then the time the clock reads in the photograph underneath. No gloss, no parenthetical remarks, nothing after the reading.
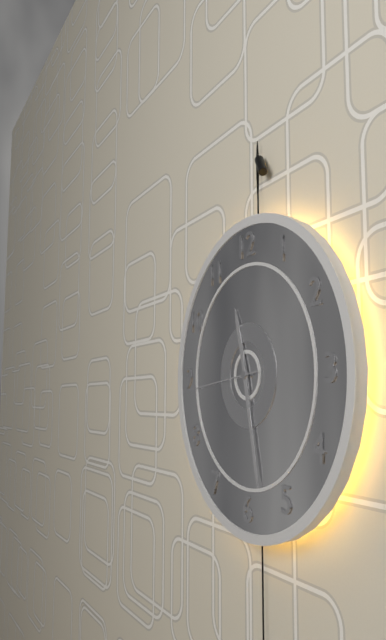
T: 11:28:44
